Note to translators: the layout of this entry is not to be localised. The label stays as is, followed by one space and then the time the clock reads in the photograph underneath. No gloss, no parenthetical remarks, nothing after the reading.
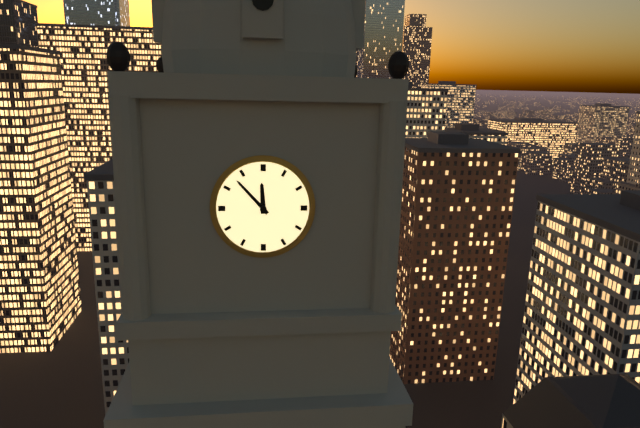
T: 11:53
